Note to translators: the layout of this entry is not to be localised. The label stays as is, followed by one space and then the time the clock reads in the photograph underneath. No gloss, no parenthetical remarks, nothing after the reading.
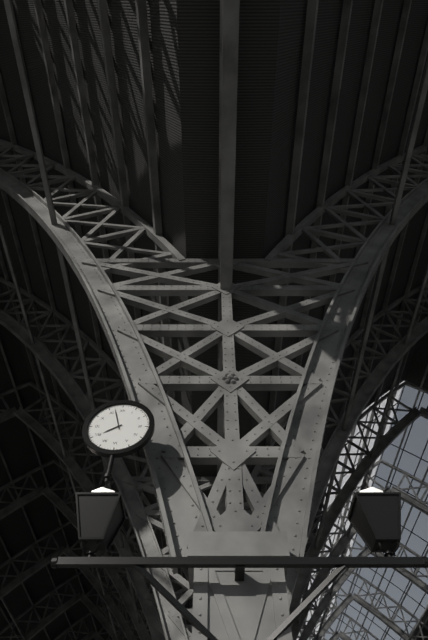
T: 7:57
